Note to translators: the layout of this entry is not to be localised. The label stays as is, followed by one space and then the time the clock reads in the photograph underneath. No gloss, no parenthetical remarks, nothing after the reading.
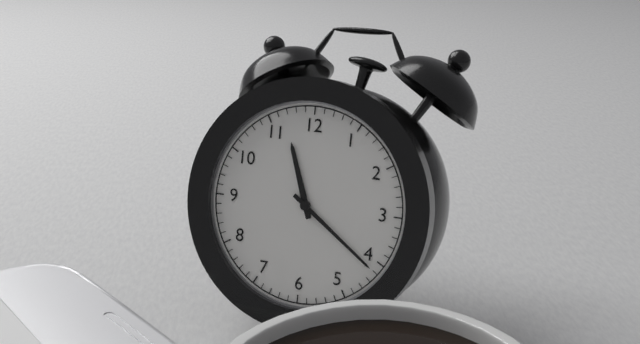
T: 11:21
